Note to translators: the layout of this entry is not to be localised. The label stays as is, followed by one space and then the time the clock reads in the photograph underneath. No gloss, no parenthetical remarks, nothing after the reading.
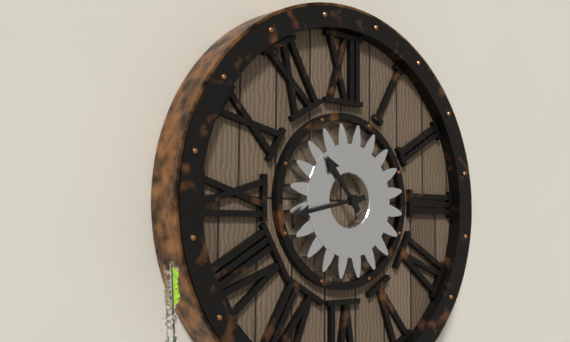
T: 10:43
